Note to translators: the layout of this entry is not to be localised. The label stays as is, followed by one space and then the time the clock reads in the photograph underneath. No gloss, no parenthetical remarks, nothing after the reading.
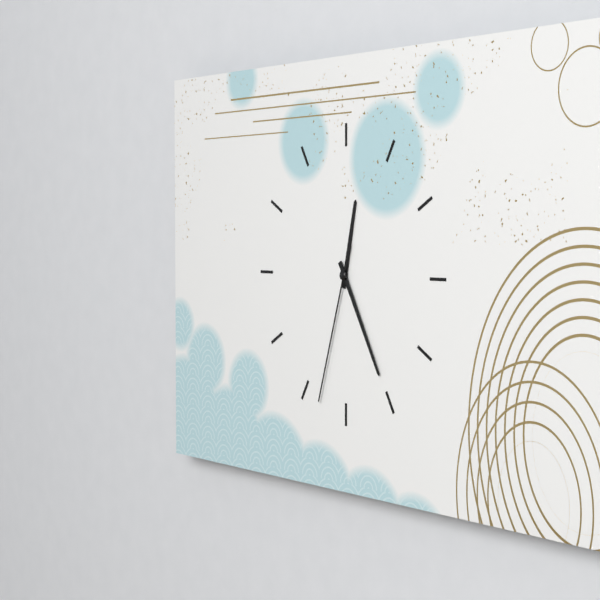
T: 12:25:33
